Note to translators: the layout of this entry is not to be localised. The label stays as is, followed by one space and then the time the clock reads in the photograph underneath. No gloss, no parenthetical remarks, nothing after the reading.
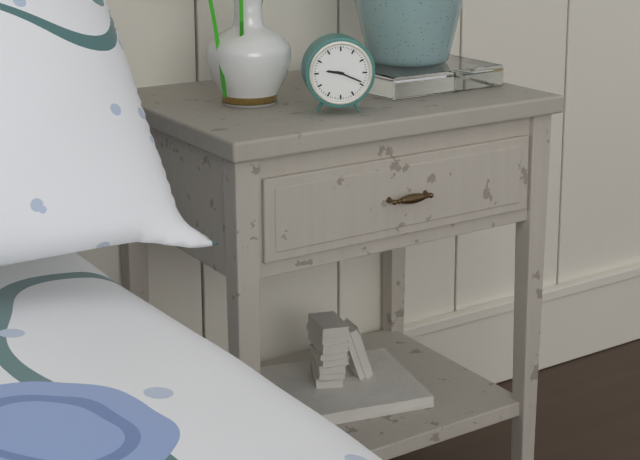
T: 9:19
